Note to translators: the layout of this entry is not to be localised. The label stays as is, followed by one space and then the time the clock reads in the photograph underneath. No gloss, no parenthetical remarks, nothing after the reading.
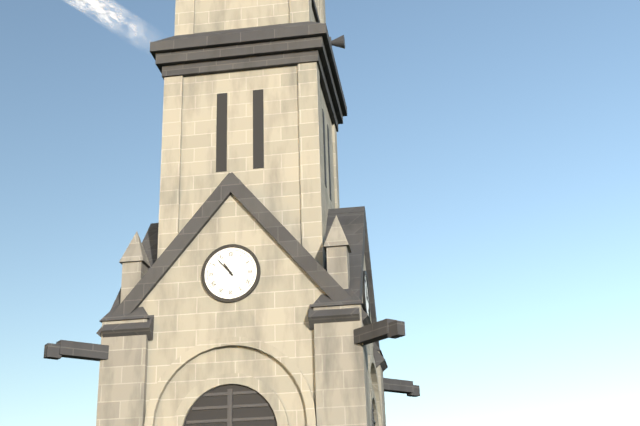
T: 10:53
